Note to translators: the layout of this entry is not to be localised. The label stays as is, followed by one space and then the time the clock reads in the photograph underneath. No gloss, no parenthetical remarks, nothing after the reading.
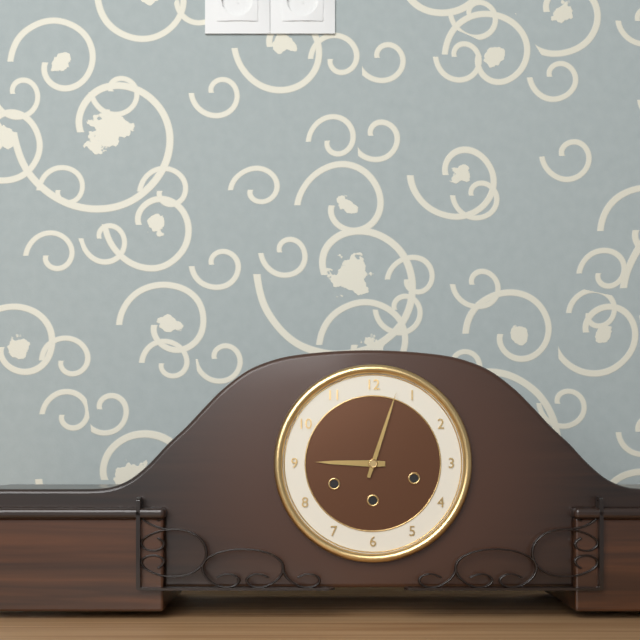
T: 9:03
